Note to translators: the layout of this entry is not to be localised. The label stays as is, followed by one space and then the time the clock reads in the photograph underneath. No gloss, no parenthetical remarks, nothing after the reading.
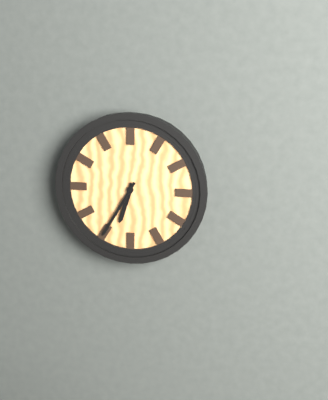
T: 6:35
